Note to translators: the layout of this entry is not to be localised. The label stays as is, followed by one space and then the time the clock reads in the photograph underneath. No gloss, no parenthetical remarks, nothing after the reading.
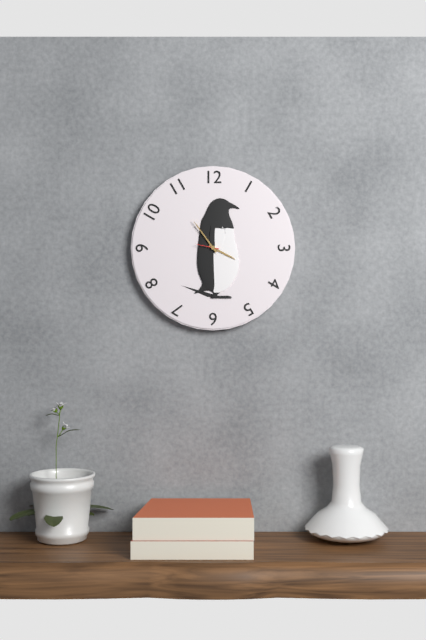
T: 3:54
